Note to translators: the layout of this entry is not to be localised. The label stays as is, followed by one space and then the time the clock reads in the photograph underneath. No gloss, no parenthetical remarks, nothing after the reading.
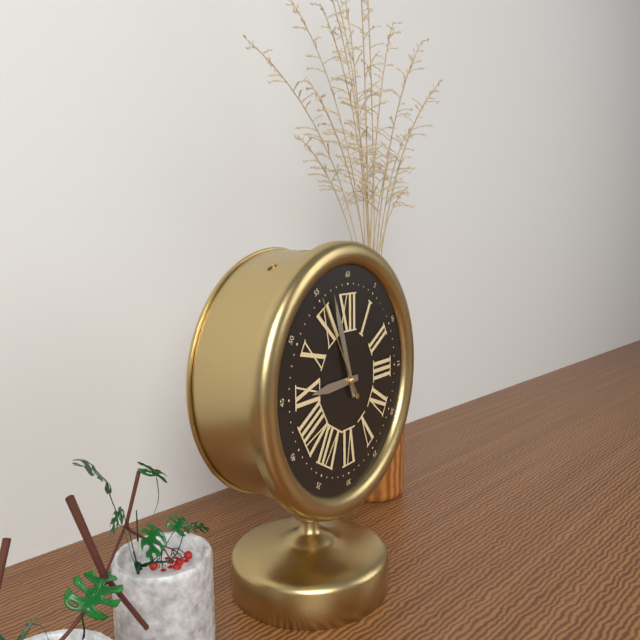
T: 8:57:55
